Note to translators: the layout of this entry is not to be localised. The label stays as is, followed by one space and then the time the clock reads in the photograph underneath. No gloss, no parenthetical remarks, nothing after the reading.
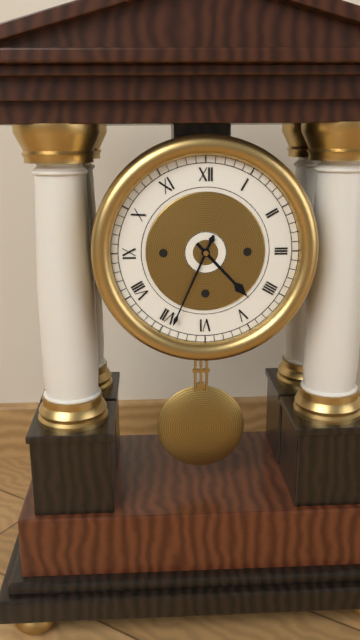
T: 4:34
